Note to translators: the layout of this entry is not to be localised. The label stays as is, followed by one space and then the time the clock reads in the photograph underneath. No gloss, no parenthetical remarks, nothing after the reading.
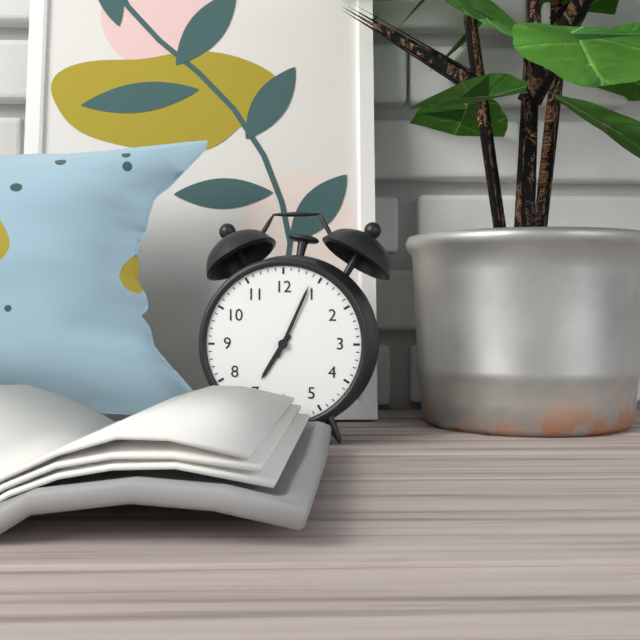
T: 7:04
